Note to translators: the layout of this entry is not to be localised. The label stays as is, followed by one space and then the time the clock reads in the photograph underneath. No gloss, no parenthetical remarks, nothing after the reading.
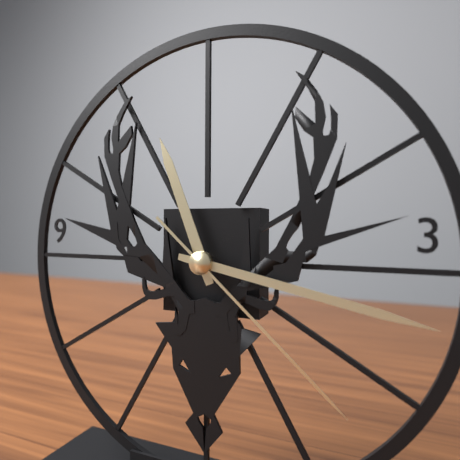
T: 11:17:22
